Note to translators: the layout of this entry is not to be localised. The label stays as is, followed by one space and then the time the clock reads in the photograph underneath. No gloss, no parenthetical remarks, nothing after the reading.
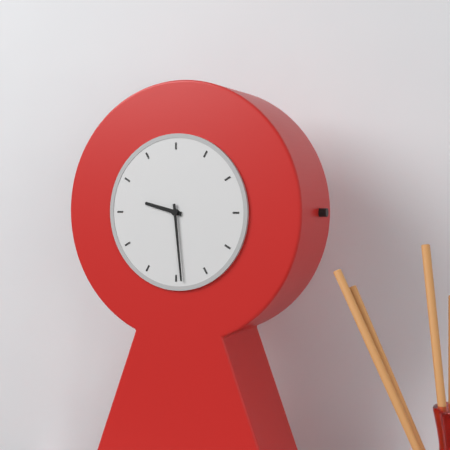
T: 9:29
